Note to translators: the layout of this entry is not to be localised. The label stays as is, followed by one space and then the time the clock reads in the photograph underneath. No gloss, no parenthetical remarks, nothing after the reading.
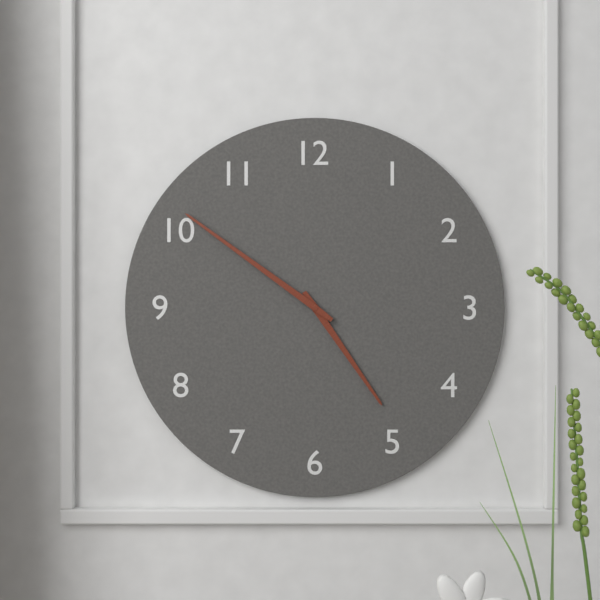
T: 4:51
